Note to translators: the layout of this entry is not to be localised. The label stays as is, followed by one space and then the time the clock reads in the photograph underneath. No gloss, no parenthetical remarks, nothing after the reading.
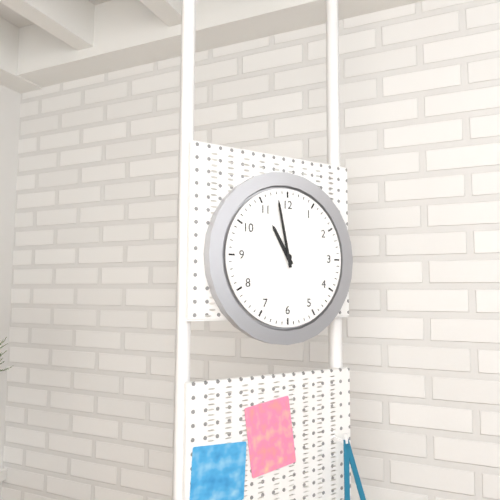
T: 10:58
